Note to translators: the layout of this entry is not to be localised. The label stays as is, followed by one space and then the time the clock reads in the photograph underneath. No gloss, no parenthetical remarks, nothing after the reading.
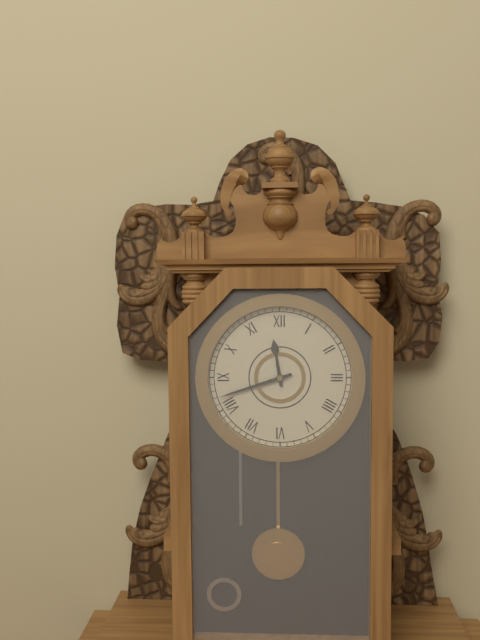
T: 11:42
